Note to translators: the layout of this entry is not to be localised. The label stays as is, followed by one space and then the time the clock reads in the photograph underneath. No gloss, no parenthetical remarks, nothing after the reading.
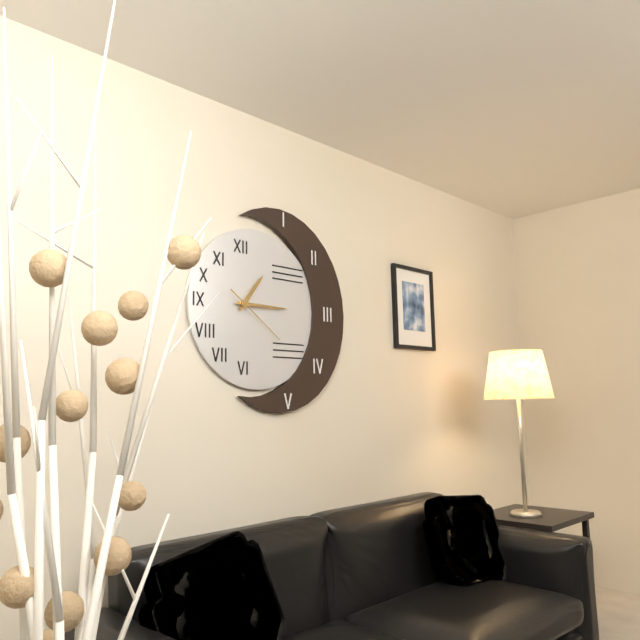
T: 1:15:21
